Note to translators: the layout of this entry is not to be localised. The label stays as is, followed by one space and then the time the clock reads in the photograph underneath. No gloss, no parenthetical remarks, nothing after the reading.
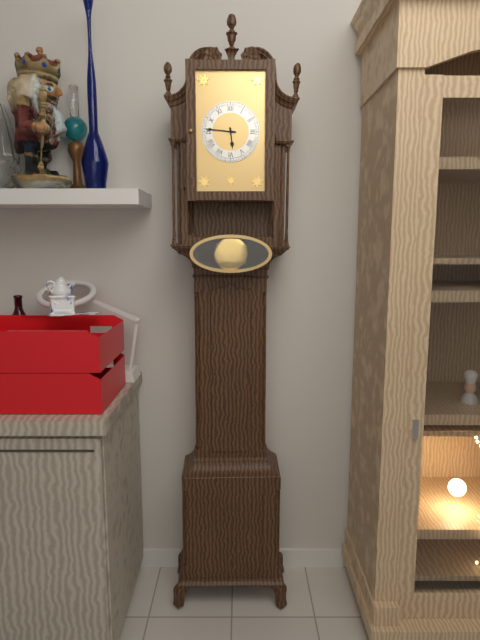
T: 5:46
